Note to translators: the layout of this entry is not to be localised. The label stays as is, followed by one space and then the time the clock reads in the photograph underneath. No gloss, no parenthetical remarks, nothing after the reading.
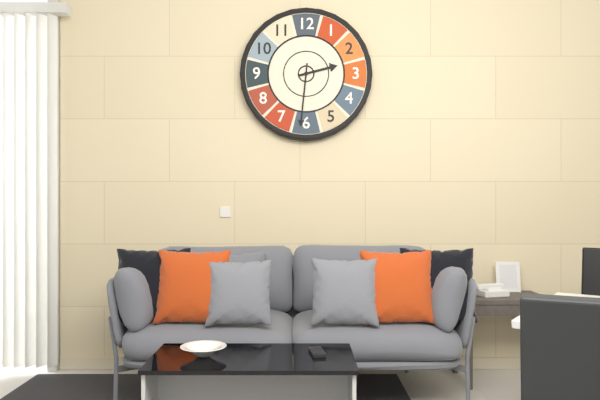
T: 2:31
